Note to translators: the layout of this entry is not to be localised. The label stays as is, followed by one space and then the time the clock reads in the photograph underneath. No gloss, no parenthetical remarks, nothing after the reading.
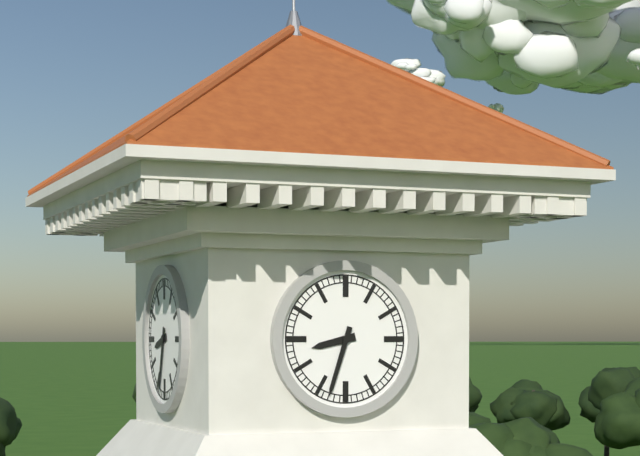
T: 8:33
